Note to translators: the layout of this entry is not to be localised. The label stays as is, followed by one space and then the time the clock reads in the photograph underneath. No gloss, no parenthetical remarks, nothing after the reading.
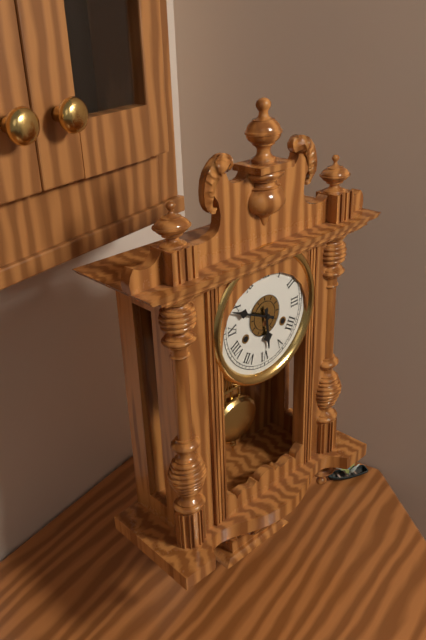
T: 5:49
